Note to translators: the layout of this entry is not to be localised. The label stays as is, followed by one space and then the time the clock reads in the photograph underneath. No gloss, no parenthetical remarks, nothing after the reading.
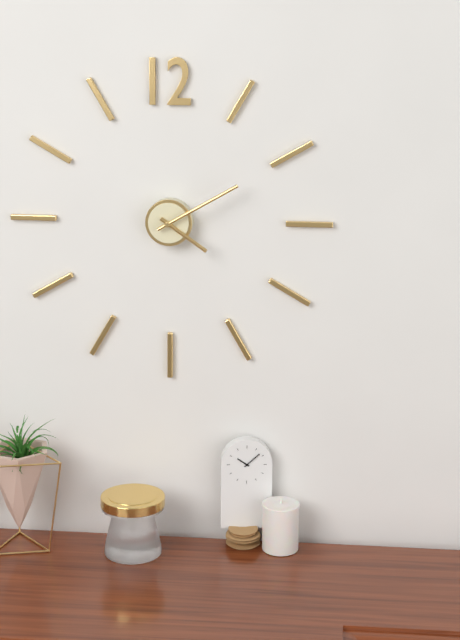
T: 4:10
